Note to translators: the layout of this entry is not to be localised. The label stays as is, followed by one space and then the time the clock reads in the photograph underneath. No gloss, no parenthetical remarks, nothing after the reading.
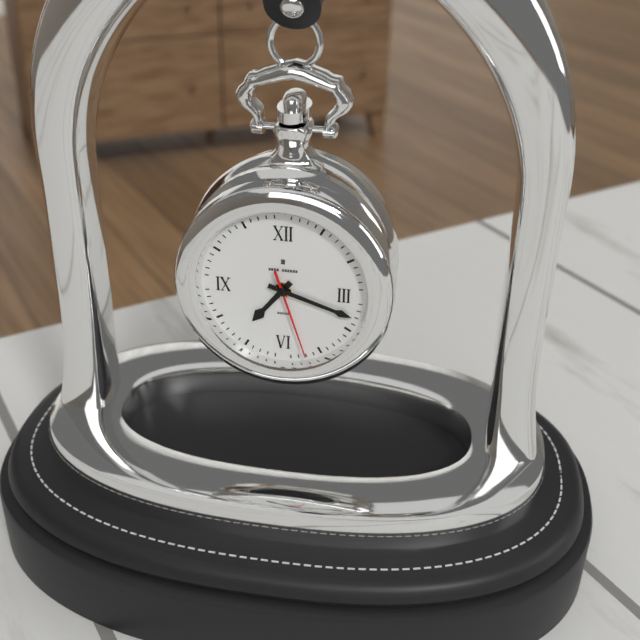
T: 7:18:27
